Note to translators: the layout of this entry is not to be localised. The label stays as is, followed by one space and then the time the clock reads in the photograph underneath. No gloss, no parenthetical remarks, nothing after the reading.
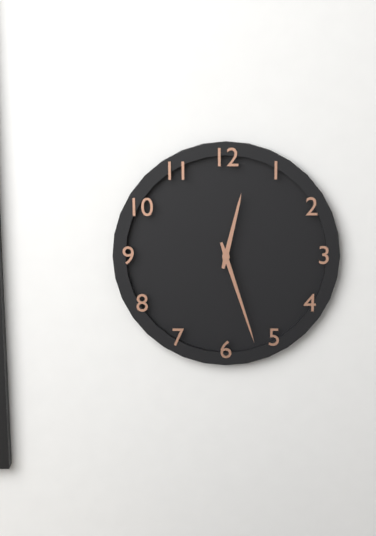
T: 12:27
